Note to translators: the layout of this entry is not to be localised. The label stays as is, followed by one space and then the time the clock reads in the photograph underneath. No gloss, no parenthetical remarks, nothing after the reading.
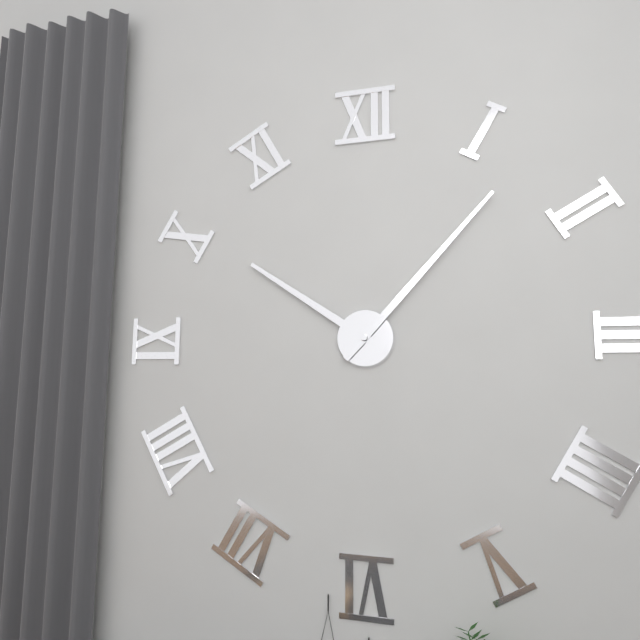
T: 10:07
